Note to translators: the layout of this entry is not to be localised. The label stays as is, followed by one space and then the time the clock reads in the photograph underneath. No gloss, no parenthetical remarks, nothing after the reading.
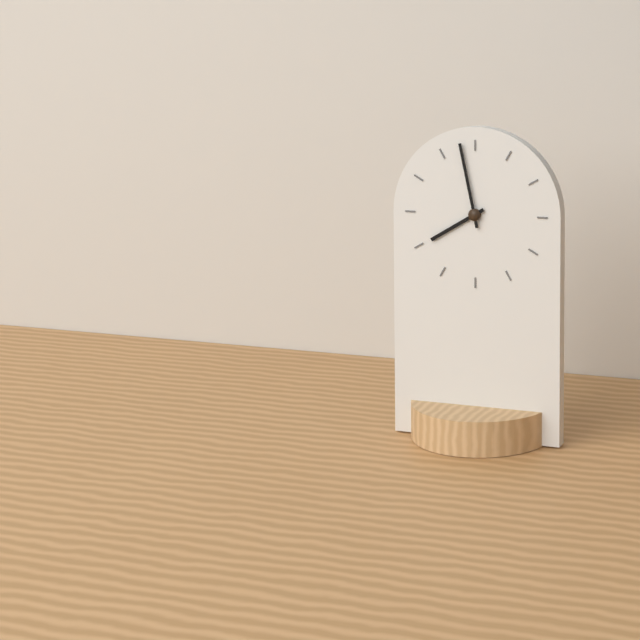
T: 7:58
